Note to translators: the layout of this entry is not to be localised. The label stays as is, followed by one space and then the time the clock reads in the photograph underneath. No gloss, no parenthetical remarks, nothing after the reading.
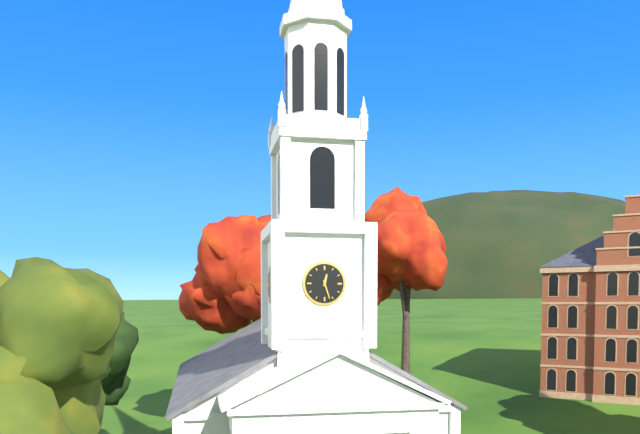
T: 12:27
